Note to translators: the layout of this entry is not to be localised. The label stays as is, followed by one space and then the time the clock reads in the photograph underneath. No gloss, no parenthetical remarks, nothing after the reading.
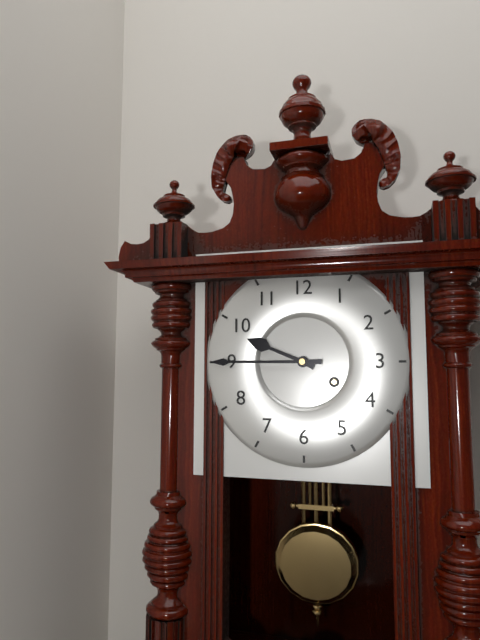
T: 9:45
